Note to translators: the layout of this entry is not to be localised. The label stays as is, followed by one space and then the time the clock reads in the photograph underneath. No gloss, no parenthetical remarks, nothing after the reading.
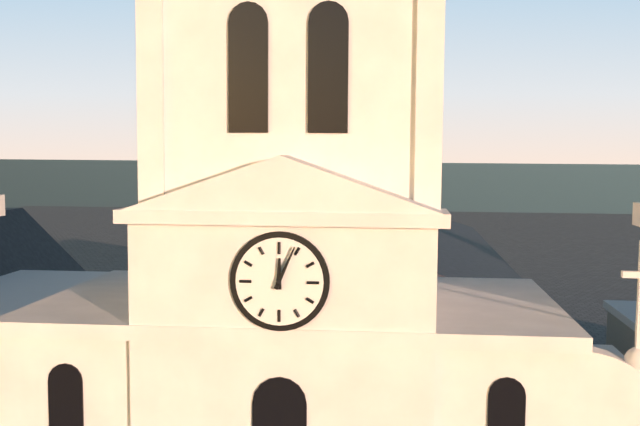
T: 12:04
